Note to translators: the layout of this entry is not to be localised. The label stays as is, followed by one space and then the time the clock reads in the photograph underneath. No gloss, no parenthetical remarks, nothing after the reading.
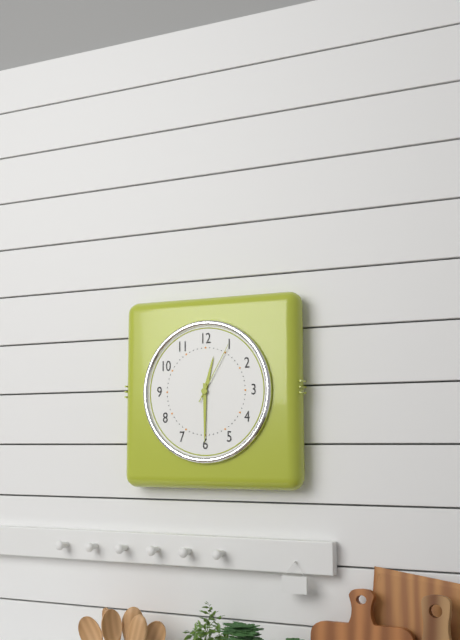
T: 12:30:05
